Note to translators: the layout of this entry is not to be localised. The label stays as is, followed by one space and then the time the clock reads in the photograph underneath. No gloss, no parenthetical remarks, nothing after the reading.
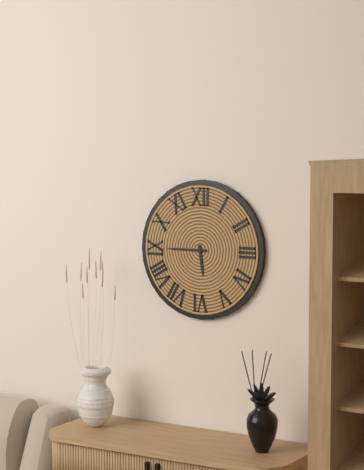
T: 5:45
